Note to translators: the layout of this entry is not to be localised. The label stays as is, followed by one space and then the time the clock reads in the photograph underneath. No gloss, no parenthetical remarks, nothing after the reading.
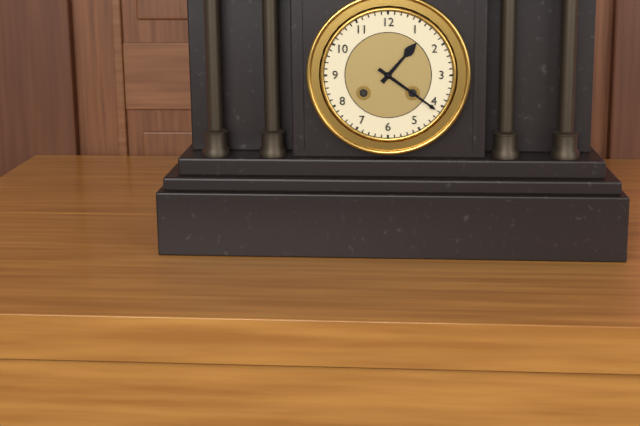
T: 1:21
